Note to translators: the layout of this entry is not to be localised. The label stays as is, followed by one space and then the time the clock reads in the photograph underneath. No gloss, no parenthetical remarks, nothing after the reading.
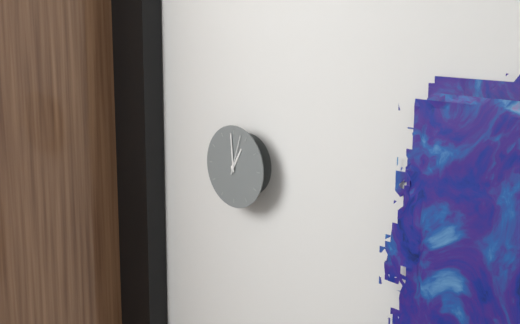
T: 12:59
